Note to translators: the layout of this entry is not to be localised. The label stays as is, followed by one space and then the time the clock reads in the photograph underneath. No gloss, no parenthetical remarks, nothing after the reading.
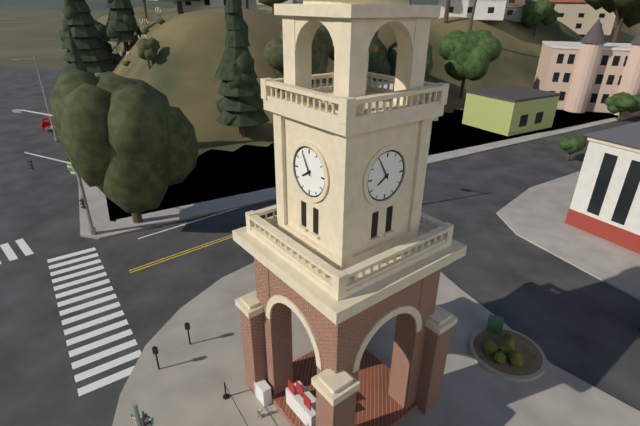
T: 7:55
